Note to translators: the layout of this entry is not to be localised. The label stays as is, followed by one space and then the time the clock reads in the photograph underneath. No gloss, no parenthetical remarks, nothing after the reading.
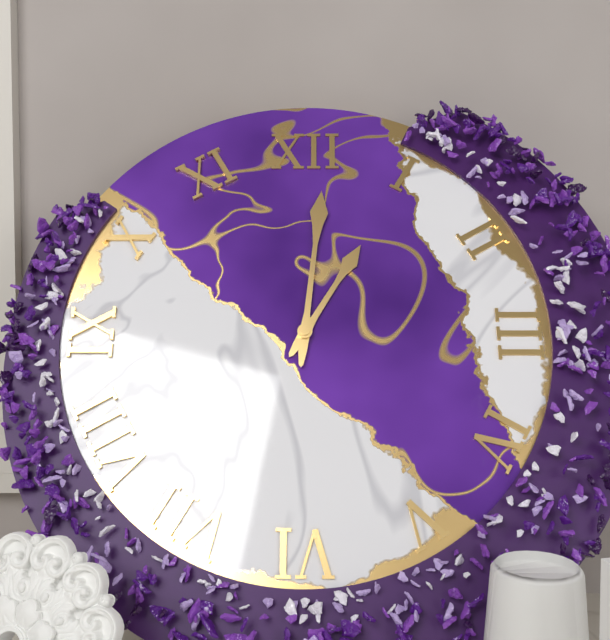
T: 1:01
